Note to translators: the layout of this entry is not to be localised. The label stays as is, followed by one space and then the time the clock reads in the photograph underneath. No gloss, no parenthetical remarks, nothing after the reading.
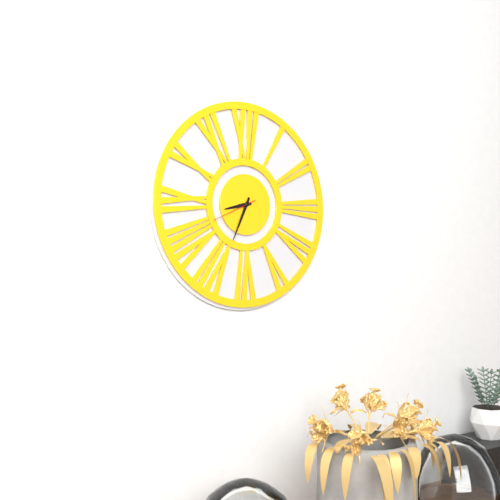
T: 8:34
